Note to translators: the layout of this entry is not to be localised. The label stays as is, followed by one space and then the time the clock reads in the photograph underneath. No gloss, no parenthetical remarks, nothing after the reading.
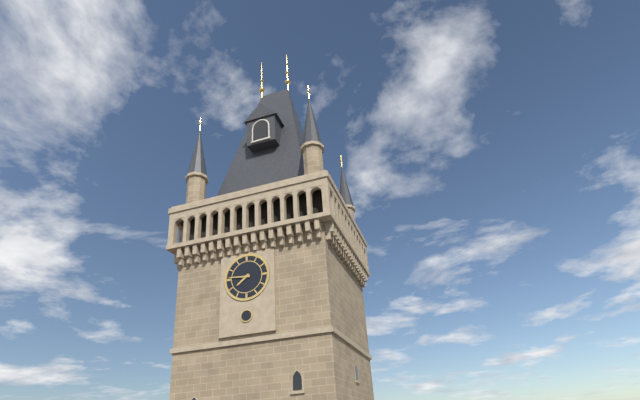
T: 7:46
